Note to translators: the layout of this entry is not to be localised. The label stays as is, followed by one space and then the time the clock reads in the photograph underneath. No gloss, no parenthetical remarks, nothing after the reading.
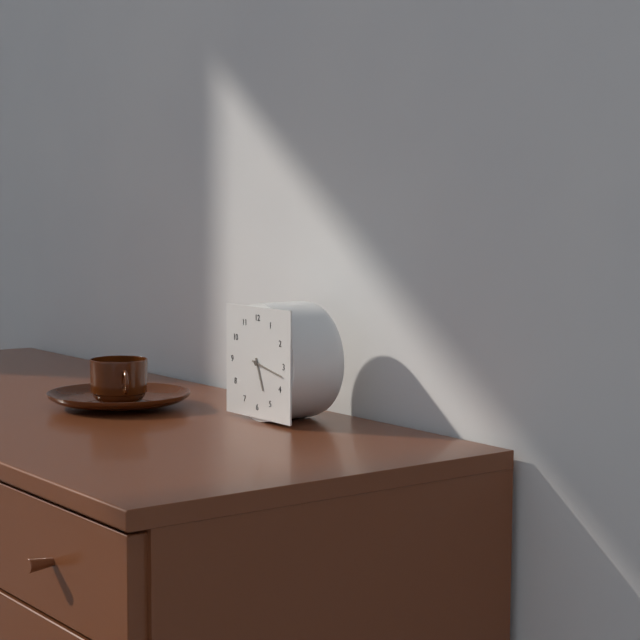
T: 5:17
